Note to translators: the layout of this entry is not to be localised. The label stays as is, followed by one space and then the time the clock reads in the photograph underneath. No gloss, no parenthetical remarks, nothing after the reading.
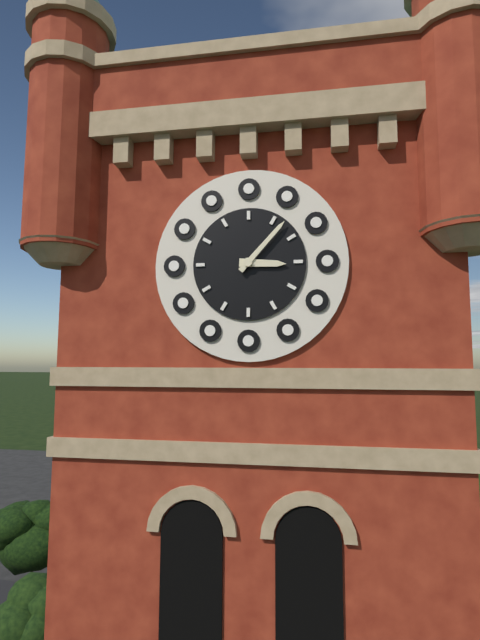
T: 3:07
